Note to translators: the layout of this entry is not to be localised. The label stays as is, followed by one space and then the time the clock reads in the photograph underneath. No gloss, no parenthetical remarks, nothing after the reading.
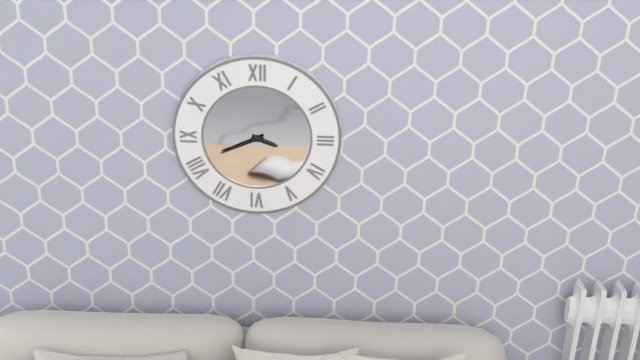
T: 3:41
